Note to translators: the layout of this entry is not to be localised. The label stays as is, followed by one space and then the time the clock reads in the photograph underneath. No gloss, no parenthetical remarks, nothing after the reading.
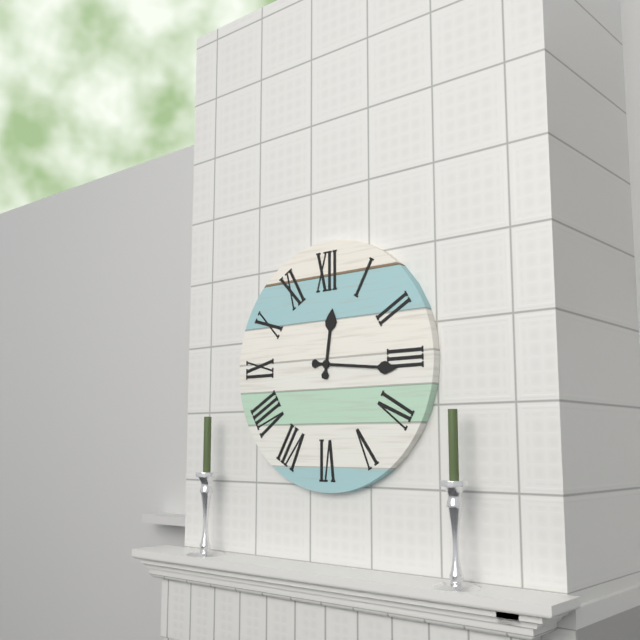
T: 12:16
